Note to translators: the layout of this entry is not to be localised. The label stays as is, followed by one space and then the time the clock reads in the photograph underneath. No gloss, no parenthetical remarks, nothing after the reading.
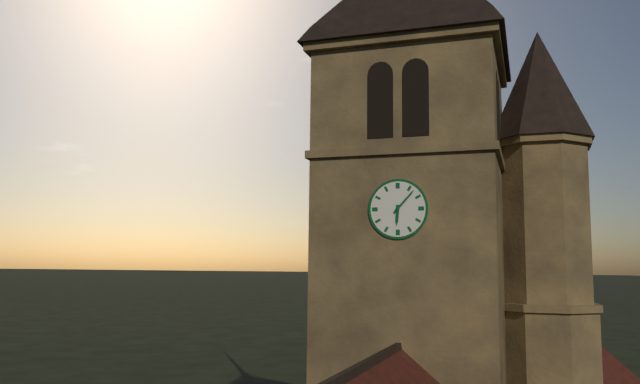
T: 6:07
